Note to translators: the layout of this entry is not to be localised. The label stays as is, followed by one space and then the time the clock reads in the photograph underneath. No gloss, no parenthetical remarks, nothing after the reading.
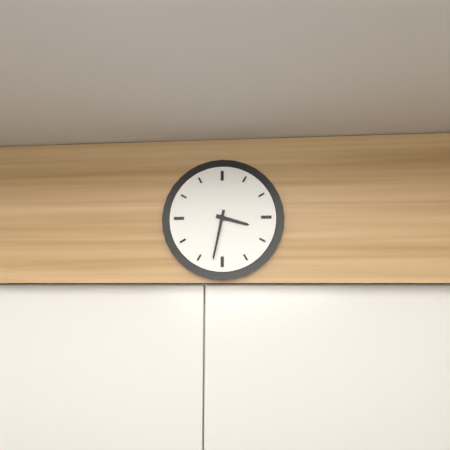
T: 3:32
